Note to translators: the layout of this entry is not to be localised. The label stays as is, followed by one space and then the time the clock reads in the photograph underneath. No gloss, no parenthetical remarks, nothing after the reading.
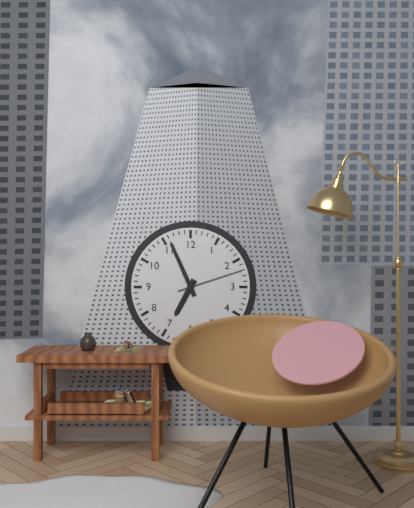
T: 6:56:12
